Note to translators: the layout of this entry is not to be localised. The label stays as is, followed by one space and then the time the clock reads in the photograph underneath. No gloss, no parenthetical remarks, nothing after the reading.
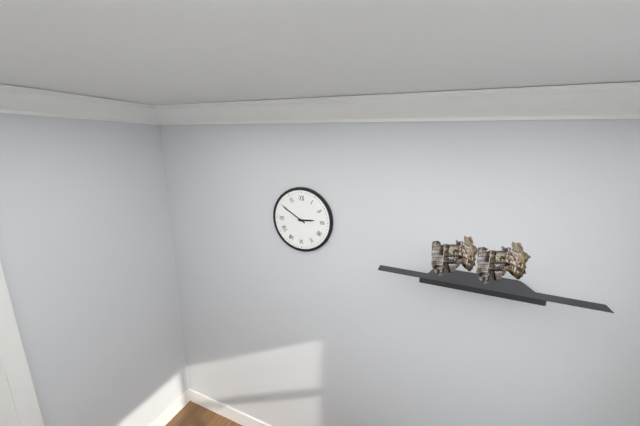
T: 2:50
